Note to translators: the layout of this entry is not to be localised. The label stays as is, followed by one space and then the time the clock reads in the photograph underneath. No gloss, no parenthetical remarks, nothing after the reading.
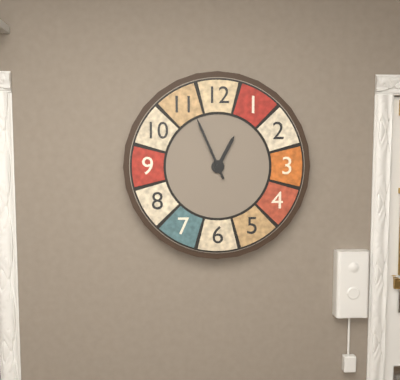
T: 12:56
